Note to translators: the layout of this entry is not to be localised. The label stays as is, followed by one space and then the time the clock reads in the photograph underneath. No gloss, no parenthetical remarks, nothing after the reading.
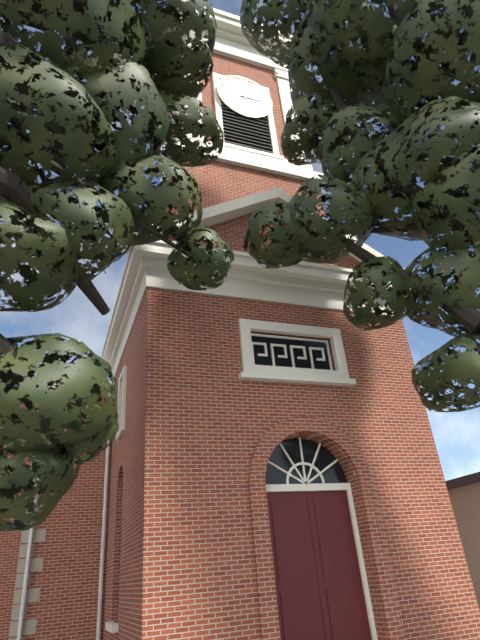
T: 12:15
